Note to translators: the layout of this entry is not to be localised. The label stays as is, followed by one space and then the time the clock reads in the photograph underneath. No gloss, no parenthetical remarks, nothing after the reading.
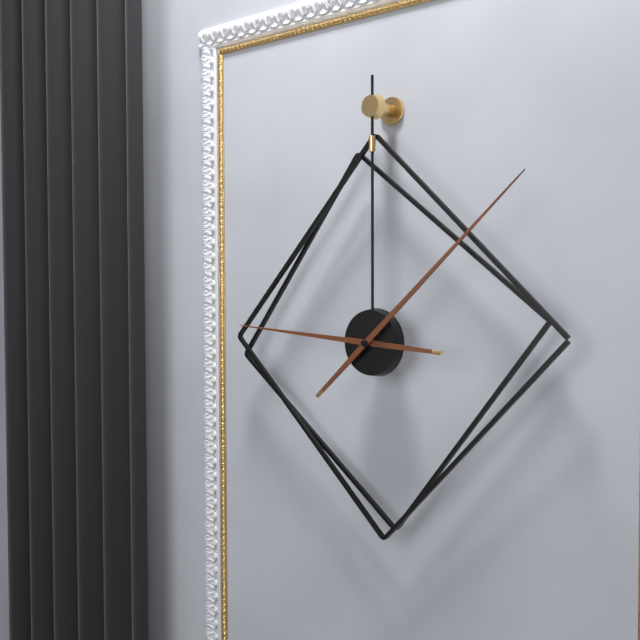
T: 9:08
